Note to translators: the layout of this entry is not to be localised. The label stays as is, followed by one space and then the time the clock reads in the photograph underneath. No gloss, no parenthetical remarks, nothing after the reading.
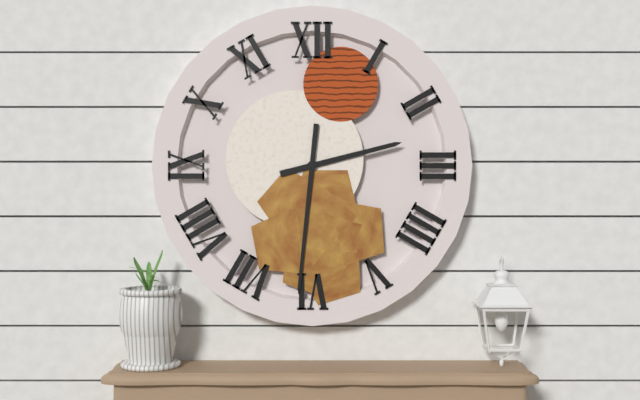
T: 2:31
